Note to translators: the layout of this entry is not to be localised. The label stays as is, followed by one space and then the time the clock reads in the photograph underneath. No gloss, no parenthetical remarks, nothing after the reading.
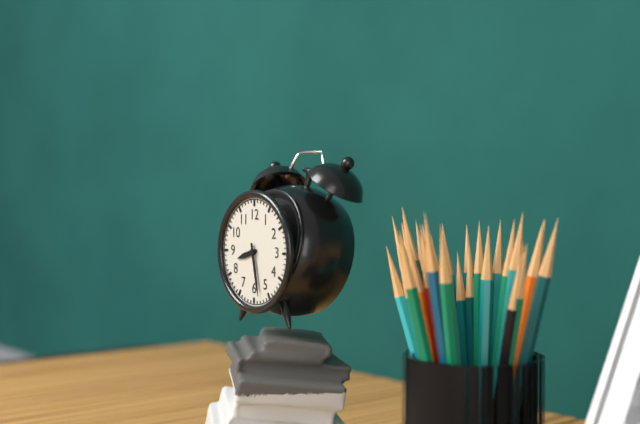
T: 8:28
